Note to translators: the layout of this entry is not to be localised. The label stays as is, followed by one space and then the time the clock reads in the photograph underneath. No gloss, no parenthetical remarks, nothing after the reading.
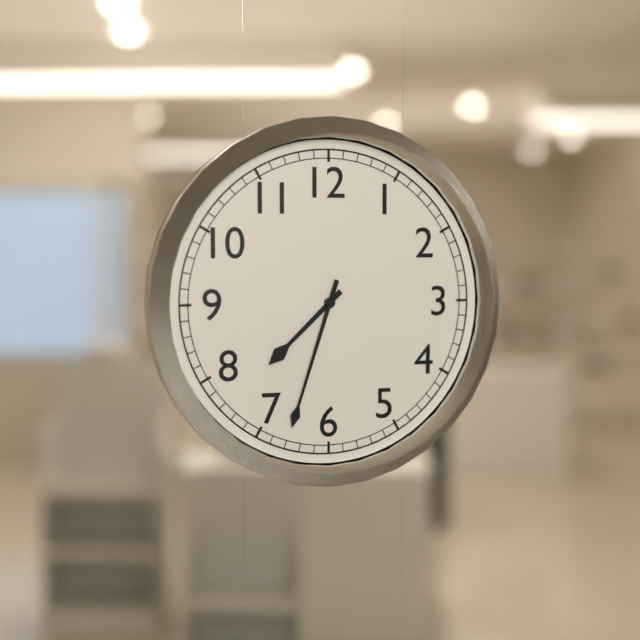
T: 7:33
